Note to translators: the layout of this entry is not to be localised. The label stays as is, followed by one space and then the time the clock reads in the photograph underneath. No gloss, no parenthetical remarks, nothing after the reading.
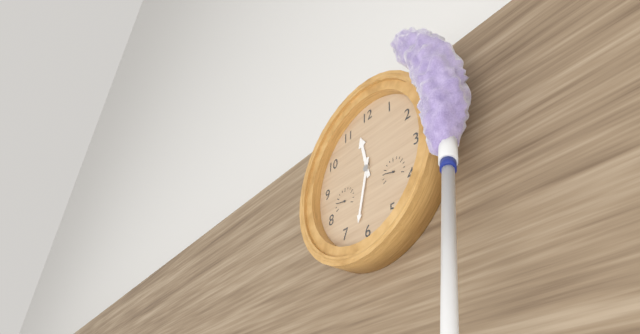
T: 11:32
